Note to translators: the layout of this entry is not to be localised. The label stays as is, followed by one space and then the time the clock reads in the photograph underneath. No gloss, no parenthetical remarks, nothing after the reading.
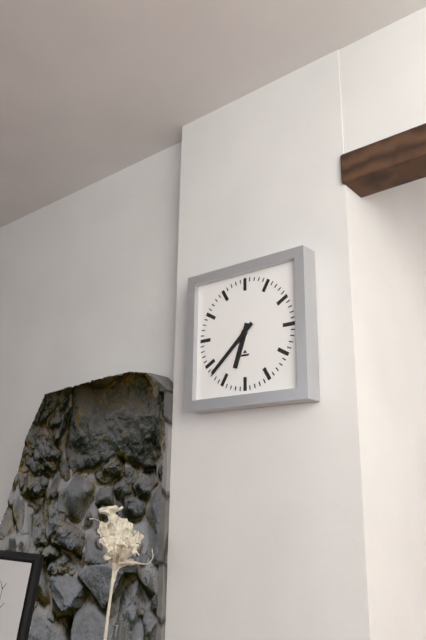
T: 6:38
